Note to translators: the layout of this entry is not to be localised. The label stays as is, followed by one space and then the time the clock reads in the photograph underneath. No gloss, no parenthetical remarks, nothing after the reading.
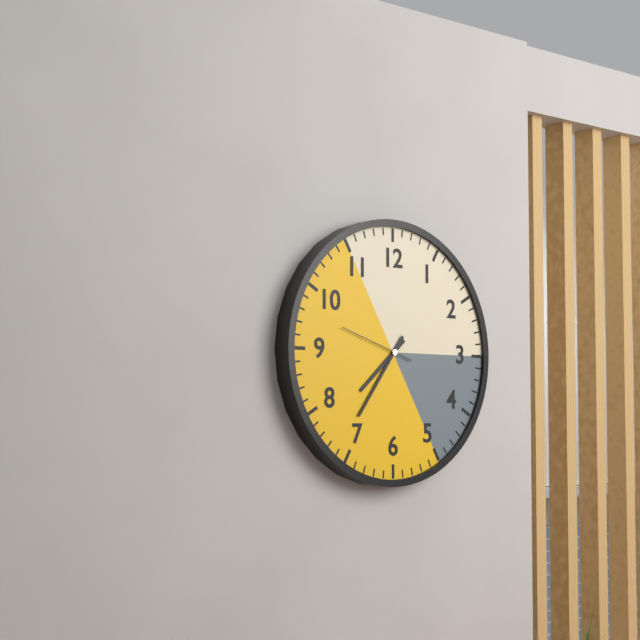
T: 7:36:48
